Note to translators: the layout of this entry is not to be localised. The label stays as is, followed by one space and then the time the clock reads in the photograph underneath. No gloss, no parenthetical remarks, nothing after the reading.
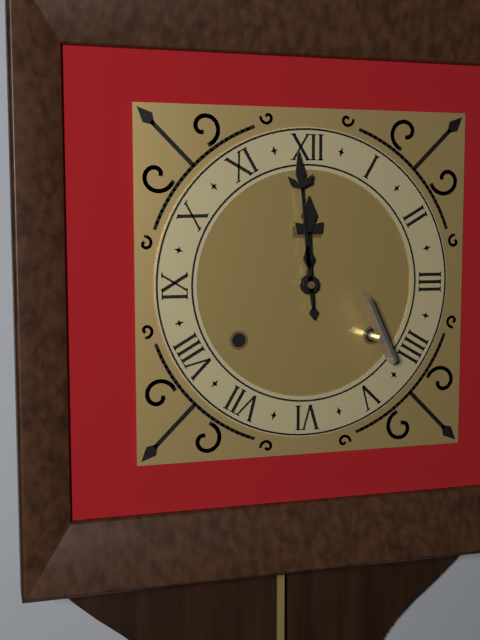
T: 11:59
